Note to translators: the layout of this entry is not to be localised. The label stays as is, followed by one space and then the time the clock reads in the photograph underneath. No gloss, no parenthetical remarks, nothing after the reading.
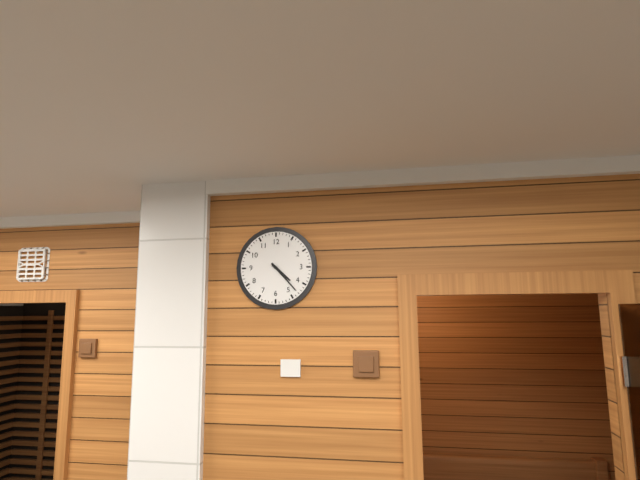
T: 4:23
